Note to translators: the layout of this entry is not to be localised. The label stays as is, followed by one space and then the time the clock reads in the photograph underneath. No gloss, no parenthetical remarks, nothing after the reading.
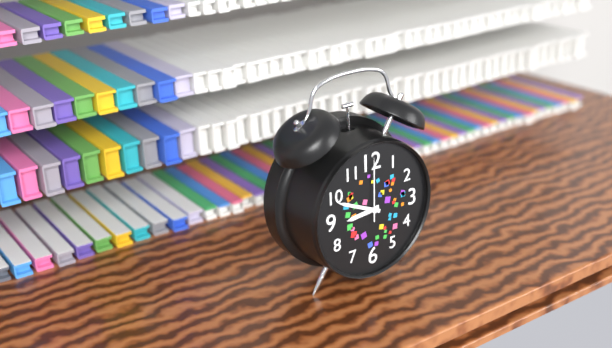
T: 8:49:00
